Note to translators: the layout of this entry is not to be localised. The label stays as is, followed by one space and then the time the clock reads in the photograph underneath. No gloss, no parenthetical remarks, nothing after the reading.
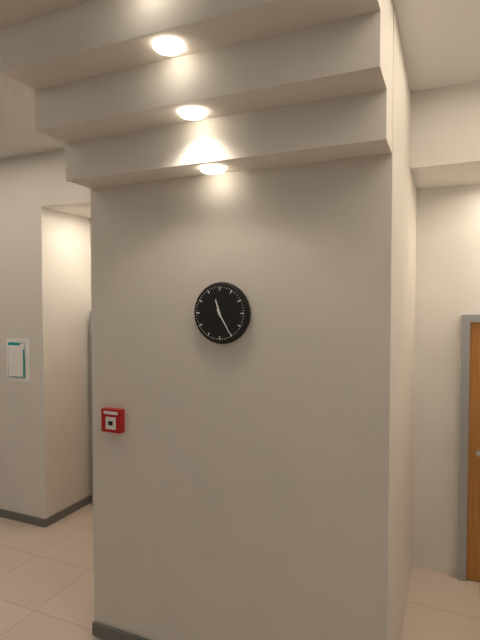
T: 11:25
